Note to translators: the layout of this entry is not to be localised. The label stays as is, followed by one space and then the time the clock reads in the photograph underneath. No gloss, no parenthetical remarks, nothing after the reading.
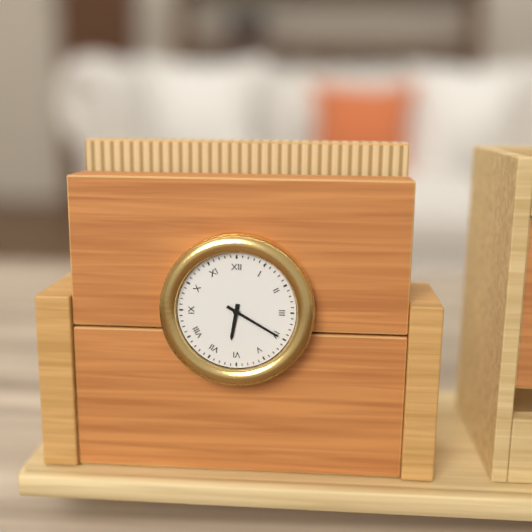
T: 6:20
